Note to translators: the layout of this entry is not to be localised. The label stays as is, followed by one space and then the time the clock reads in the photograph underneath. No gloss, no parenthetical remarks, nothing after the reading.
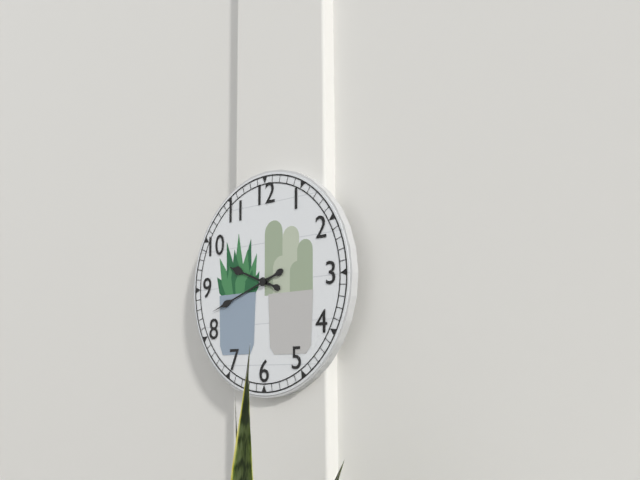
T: 9:42
